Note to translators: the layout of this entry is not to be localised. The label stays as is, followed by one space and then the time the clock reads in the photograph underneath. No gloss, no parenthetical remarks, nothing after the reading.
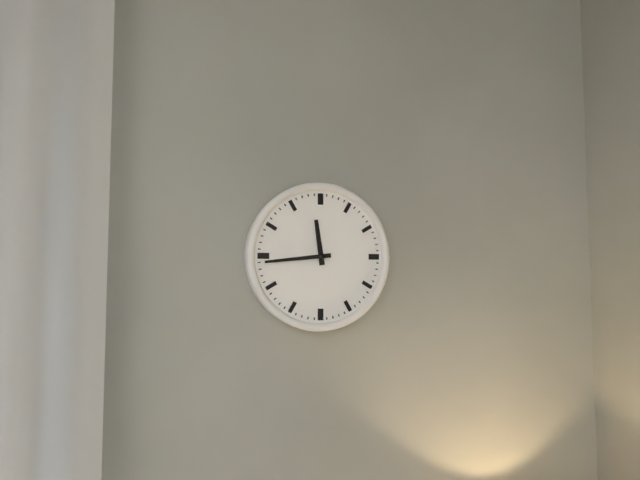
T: 11:44
